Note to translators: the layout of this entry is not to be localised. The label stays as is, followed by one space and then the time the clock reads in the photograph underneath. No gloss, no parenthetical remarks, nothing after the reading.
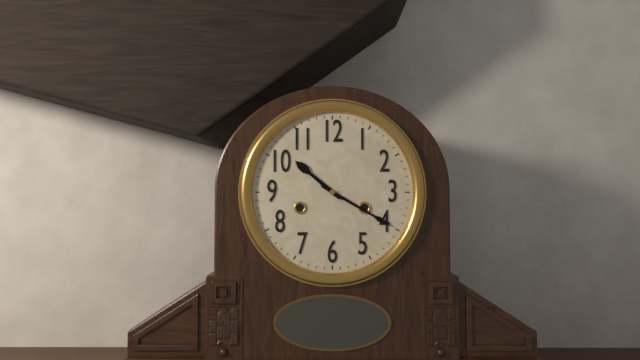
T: 10:20
